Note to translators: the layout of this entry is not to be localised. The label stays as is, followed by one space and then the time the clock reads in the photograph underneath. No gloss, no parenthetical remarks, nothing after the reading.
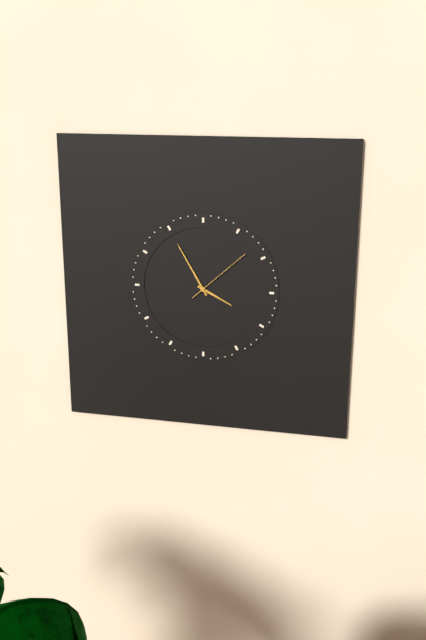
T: 3:55:08
